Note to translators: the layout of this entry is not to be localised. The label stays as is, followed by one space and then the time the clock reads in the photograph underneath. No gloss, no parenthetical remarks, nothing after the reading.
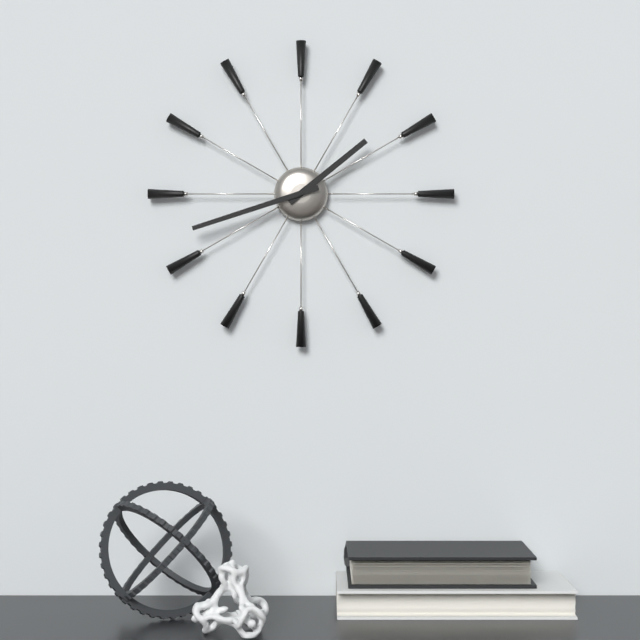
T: 1:42
